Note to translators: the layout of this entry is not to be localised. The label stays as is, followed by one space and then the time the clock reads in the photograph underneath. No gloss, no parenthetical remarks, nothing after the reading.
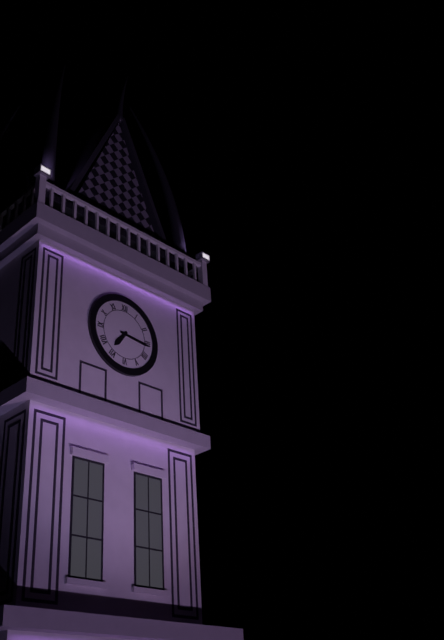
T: 7:16
